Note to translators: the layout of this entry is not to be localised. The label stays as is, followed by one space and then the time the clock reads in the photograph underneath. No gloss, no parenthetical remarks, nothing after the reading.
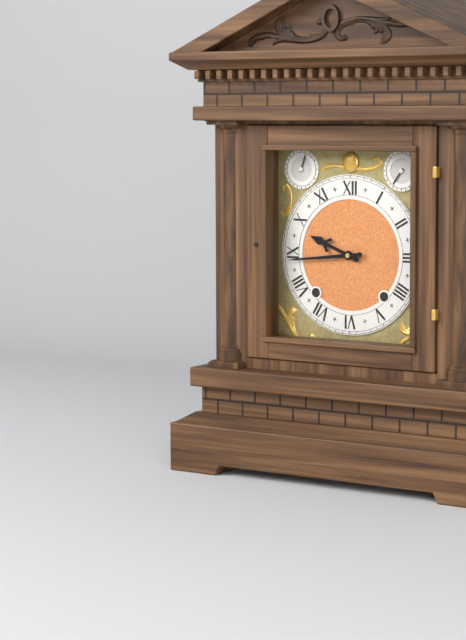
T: 9:44
